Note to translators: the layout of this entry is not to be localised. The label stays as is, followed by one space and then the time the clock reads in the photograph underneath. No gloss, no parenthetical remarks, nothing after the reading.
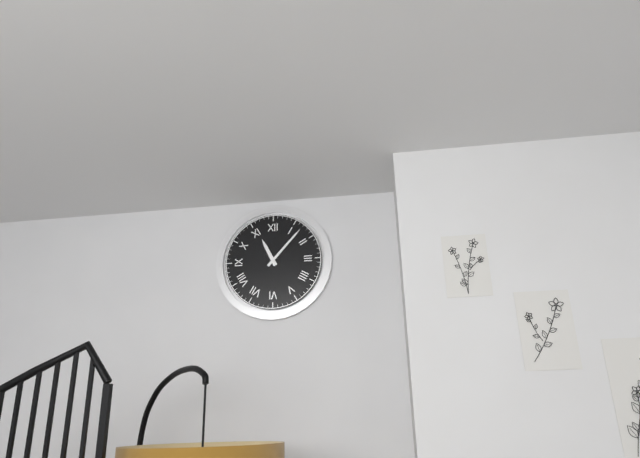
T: 11:07
